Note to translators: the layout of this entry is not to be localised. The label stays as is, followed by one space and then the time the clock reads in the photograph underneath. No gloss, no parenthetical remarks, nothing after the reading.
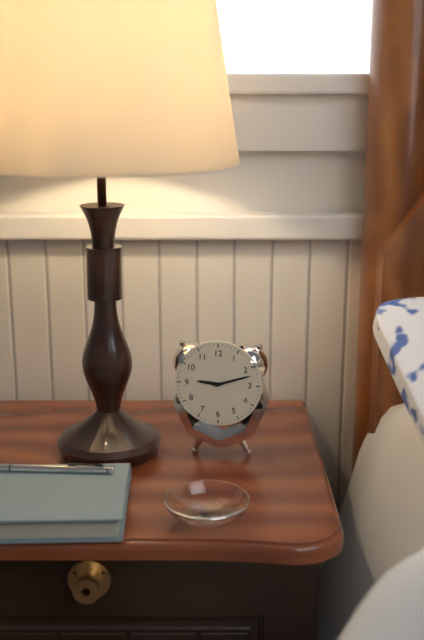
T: 9:12
